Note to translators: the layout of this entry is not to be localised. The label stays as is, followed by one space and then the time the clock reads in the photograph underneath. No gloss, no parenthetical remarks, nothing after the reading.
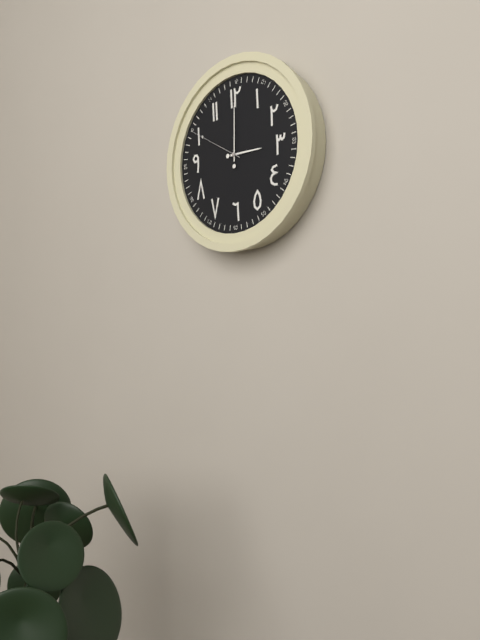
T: 3:00:50
